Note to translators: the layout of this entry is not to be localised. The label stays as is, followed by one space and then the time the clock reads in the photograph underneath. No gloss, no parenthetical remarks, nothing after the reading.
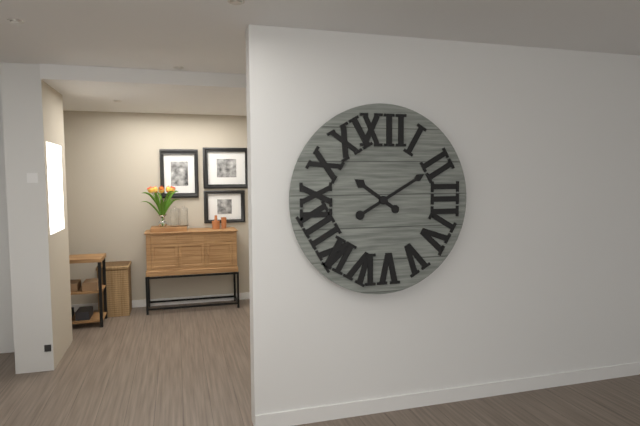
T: 10:10
